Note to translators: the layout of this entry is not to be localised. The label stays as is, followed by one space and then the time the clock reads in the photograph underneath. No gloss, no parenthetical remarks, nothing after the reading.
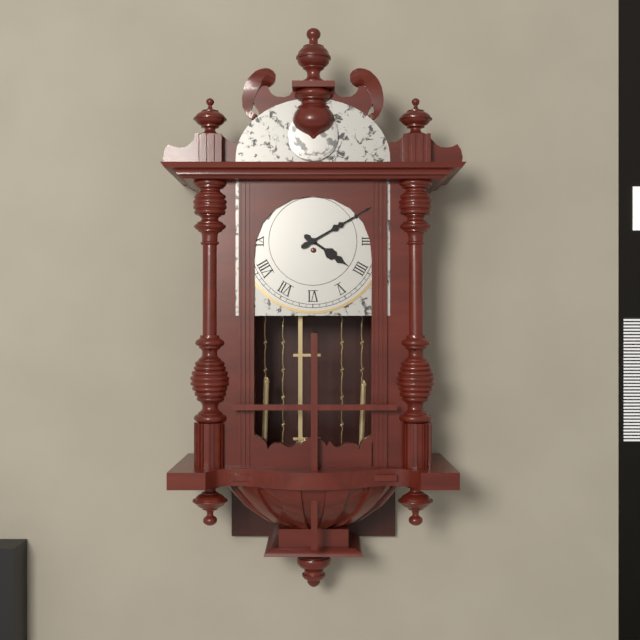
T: 4:10
